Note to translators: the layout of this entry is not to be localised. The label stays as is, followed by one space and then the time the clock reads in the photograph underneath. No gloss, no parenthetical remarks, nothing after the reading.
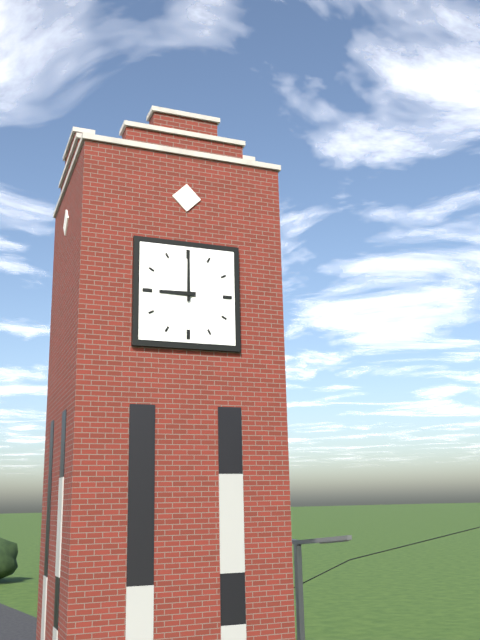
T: 9:00
